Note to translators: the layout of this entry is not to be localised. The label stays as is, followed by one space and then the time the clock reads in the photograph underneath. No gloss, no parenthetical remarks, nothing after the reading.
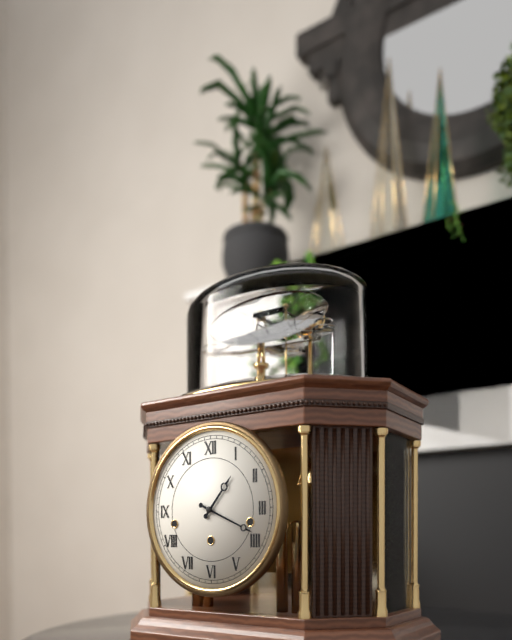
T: 1:19
